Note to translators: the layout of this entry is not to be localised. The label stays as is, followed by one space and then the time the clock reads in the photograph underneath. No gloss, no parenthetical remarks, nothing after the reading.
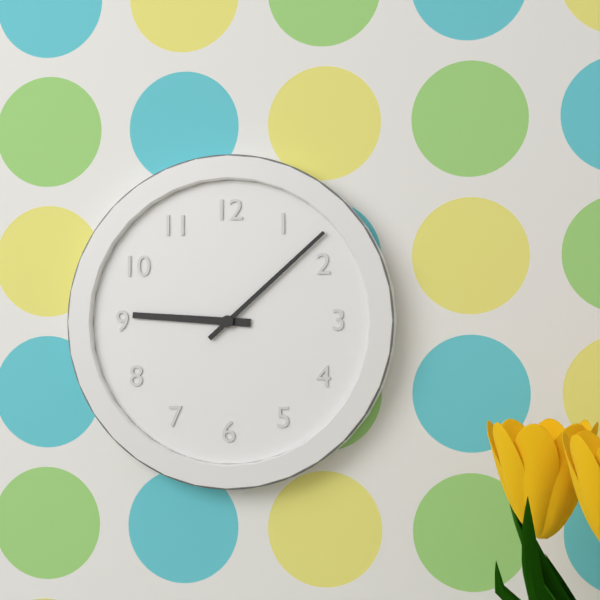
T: 9:08
